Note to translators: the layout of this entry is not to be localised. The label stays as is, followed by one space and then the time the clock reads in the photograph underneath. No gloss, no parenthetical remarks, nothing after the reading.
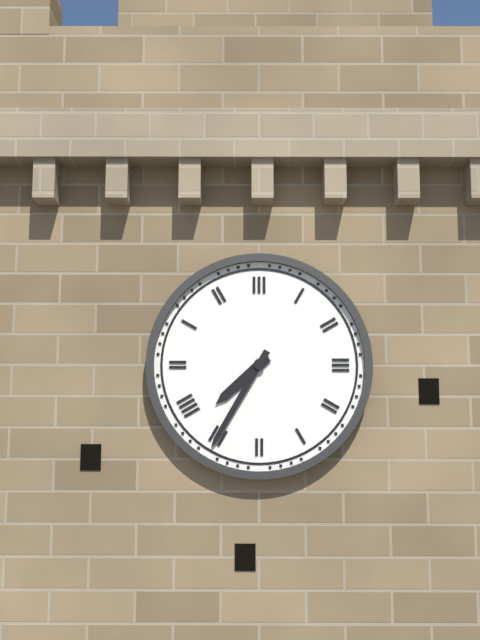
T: 7:35
